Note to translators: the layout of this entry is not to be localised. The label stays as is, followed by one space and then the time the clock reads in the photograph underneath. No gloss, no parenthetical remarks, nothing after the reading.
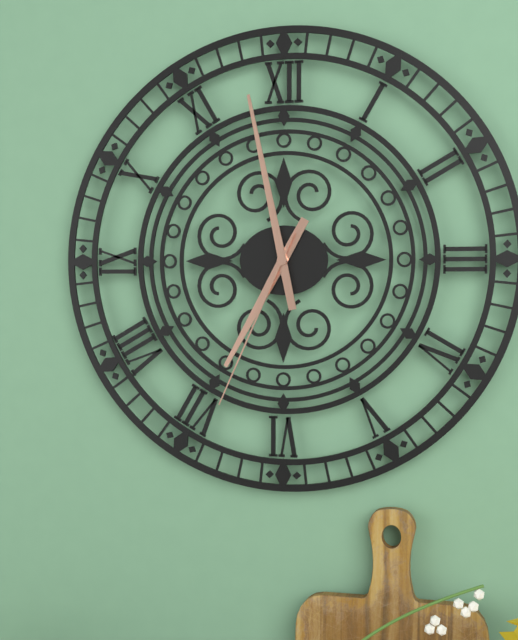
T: 6:58:34
